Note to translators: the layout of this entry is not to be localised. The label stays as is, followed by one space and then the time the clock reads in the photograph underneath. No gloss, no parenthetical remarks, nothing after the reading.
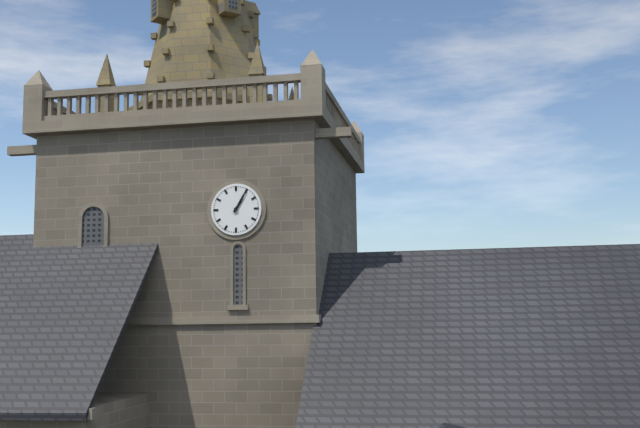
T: 1:05
